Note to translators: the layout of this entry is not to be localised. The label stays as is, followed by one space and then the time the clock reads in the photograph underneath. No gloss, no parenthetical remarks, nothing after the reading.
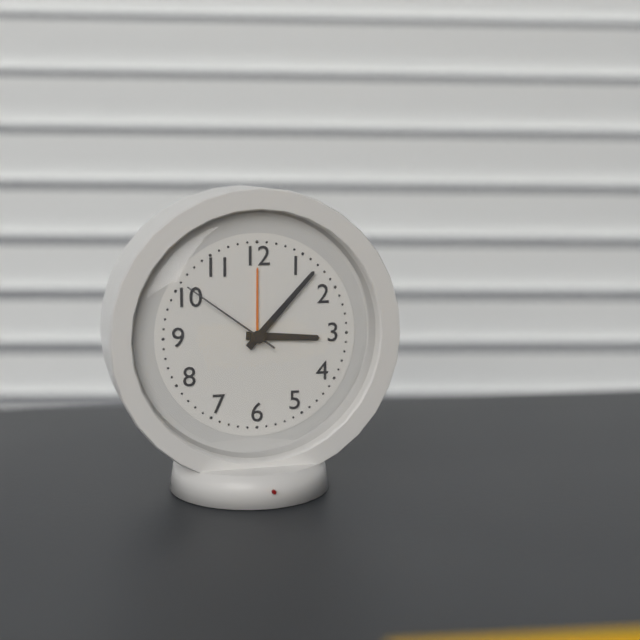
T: 3:07:51
